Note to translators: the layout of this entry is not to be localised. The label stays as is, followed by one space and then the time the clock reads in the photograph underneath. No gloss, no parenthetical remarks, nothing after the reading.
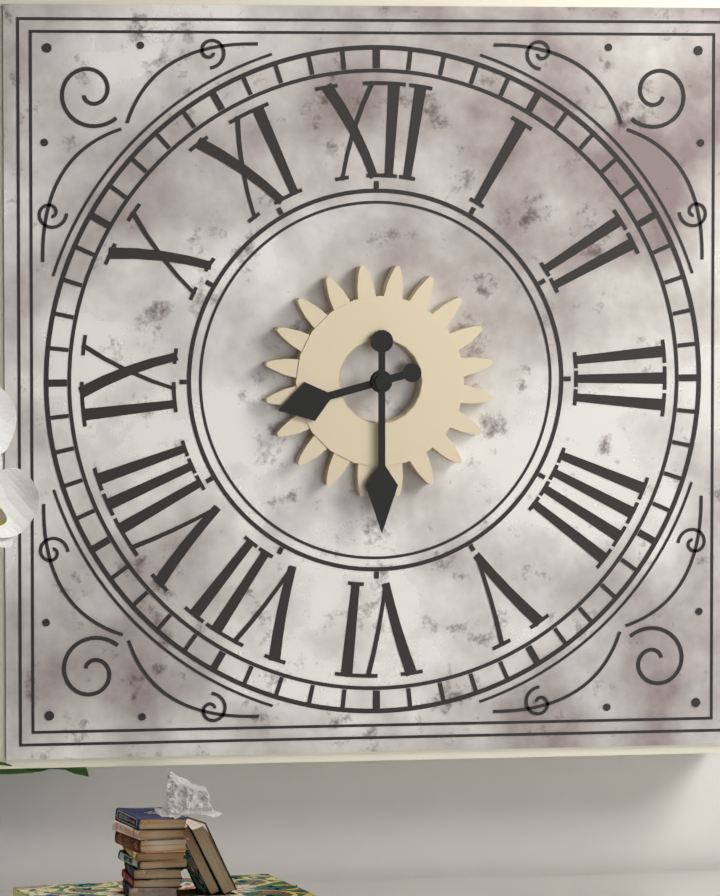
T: 8:30
